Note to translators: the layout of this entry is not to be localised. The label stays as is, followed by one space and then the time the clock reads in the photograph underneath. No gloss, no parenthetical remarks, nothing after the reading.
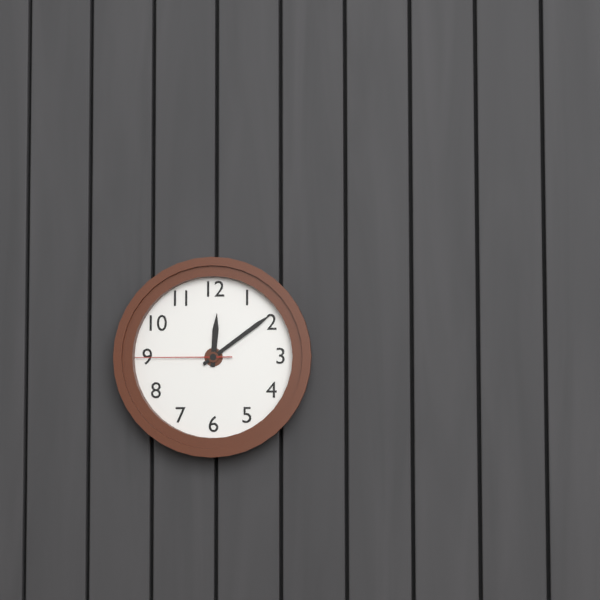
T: 12:09:45
